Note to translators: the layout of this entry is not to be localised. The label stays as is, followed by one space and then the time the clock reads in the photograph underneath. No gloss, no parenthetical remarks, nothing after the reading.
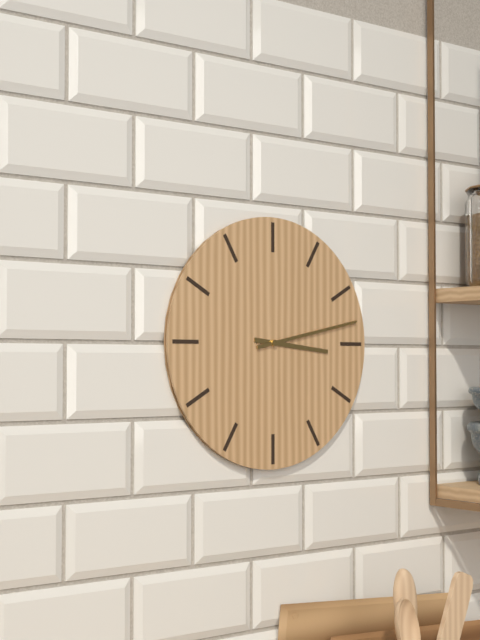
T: 3:13
